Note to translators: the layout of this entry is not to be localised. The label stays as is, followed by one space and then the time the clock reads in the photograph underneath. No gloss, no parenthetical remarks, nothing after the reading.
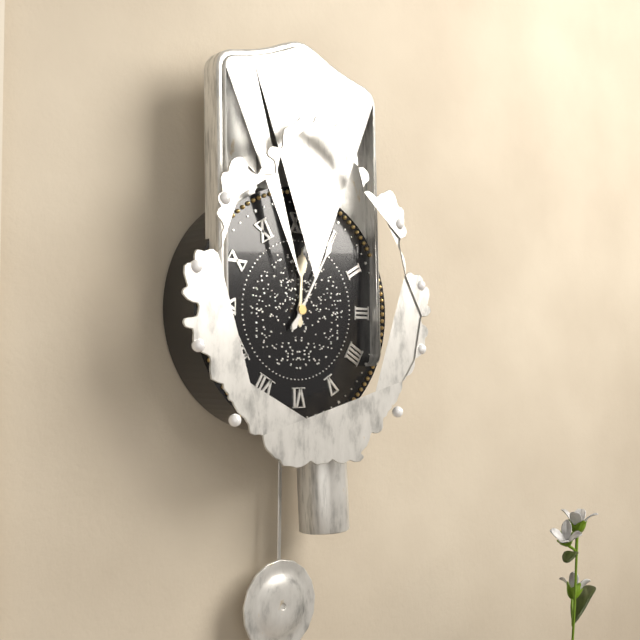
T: 12:05
